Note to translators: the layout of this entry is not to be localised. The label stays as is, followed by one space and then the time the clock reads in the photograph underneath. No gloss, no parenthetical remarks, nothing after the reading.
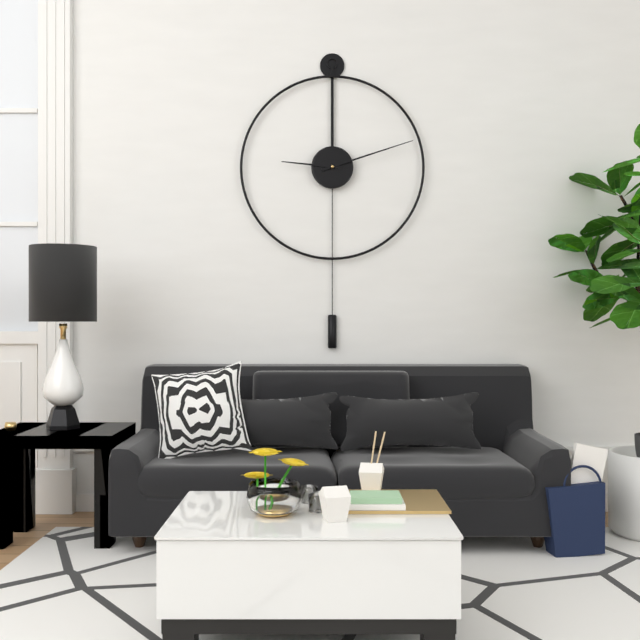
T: 9:12
